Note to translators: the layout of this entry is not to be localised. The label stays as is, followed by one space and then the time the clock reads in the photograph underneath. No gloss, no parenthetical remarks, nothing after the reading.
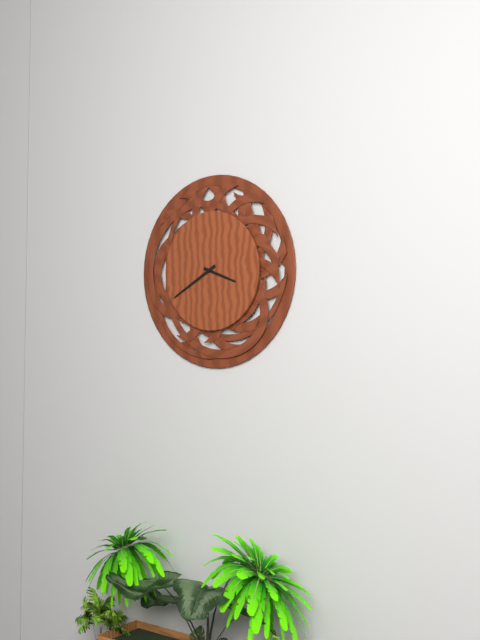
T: 3:40
